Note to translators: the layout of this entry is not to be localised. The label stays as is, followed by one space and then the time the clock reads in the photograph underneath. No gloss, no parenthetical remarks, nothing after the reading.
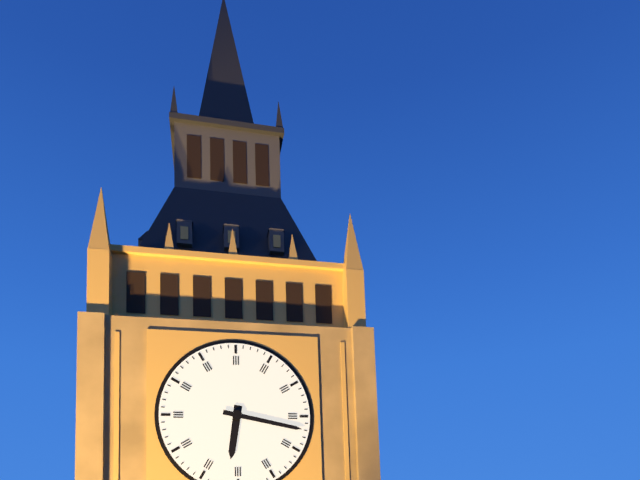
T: 6:17
